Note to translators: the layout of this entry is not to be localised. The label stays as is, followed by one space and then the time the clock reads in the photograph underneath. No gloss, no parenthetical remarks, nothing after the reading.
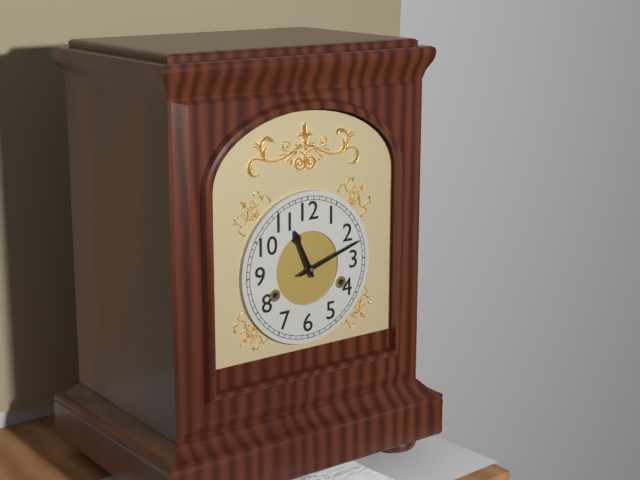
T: 11:12
